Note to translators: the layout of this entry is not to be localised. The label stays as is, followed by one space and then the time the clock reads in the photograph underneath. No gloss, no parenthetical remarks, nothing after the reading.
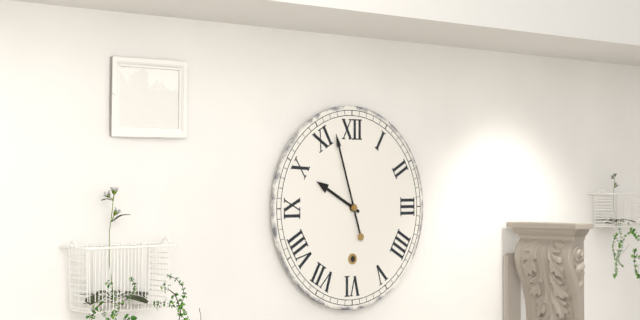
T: 9:57
